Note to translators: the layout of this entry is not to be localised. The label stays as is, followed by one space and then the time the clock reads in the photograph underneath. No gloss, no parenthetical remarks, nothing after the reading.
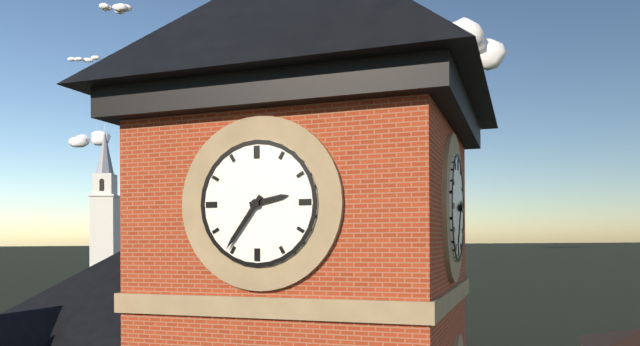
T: 2:36
